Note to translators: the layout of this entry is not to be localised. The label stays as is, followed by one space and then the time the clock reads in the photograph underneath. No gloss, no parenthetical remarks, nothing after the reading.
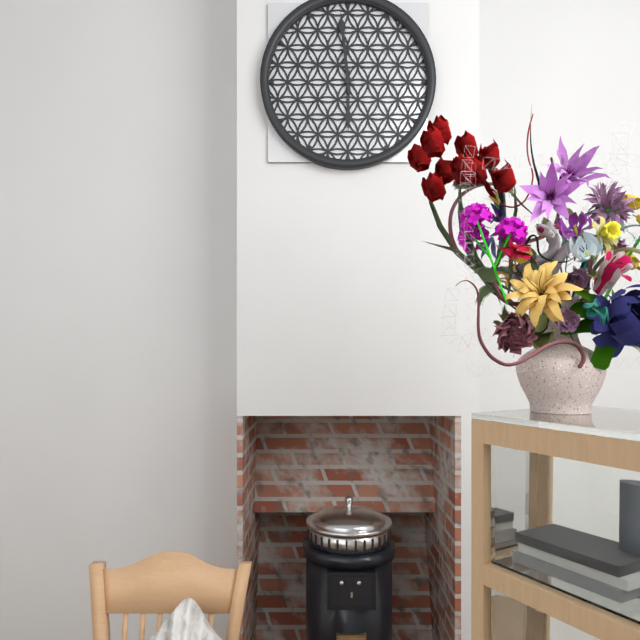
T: 5:59
